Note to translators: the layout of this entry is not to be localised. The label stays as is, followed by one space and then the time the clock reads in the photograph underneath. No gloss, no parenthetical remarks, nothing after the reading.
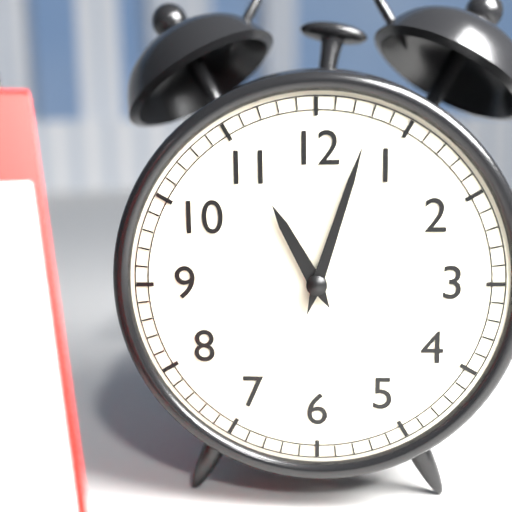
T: 11:03
